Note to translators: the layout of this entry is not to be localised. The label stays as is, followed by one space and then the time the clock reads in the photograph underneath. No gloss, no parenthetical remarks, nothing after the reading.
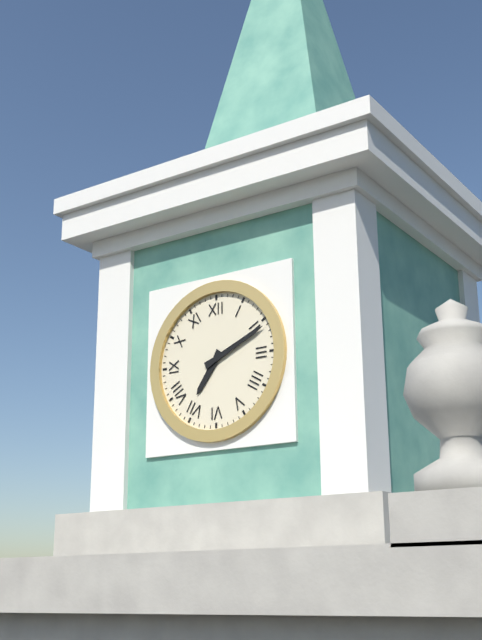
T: 7:11
